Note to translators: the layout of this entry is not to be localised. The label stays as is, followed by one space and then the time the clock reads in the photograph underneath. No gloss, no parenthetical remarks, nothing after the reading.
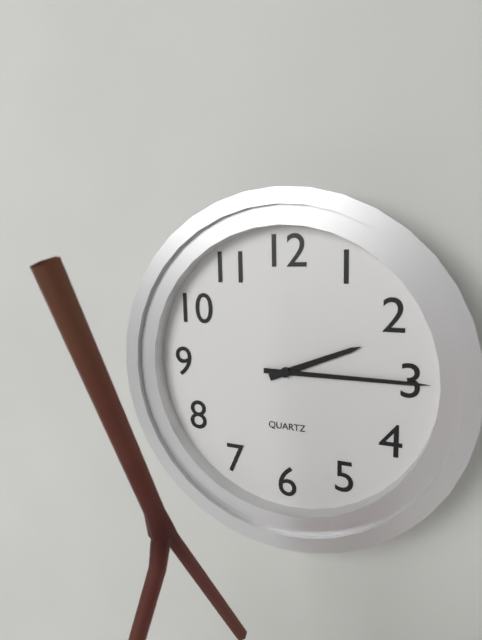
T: 2:15
